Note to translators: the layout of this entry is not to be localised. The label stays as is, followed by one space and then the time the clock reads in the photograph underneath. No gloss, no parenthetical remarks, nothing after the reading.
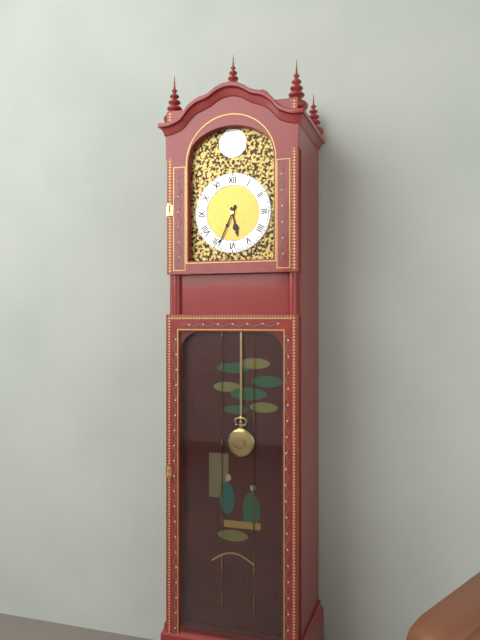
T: 5:34
